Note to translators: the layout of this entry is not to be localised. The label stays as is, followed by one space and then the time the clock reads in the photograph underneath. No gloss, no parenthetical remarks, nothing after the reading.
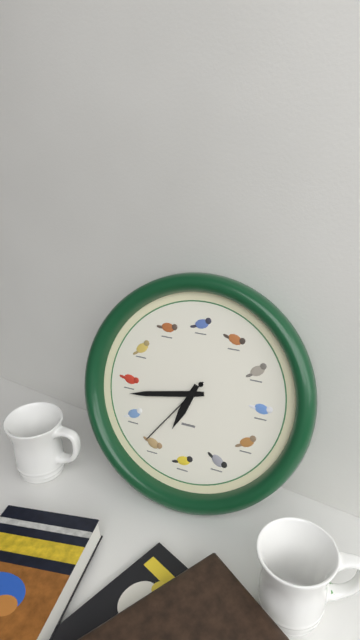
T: 6:43:36
